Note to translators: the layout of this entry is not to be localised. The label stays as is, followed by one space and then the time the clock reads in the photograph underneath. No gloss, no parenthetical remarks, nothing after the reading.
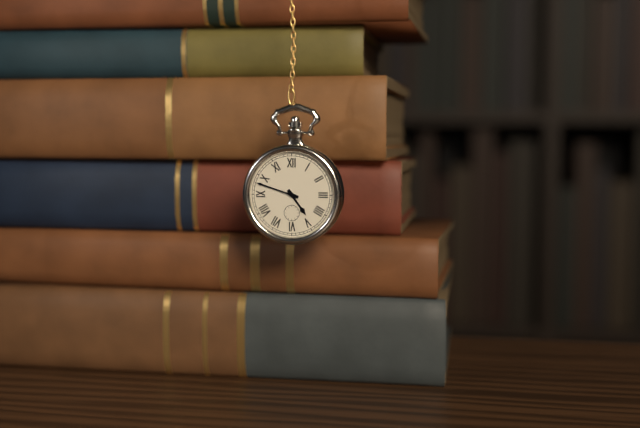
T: 4:48
